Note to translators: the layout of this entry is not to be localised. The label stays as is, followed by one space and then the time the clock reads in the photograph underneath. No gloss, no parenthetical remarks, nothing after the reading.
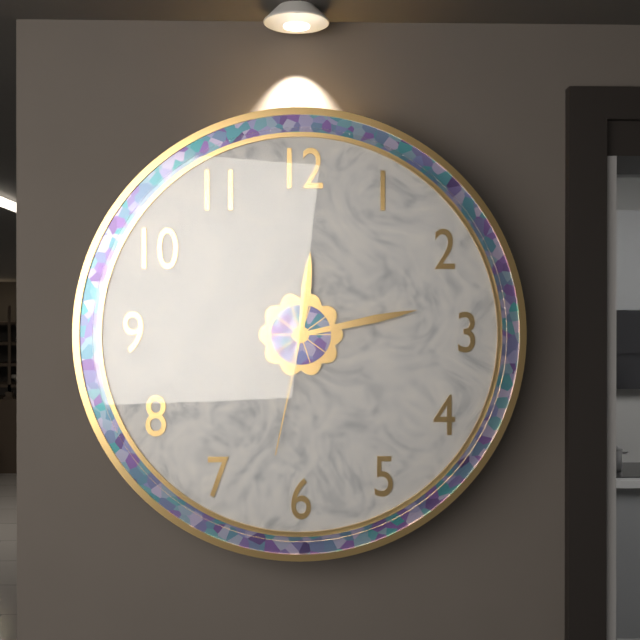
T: 12:13:32
